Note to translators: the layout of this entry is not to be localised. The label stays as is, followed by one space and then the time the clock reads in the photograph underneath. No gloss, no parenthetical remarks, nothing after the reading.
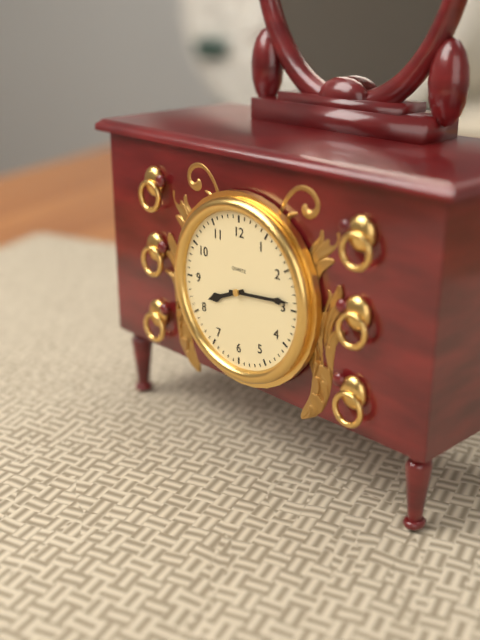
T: 8:14
